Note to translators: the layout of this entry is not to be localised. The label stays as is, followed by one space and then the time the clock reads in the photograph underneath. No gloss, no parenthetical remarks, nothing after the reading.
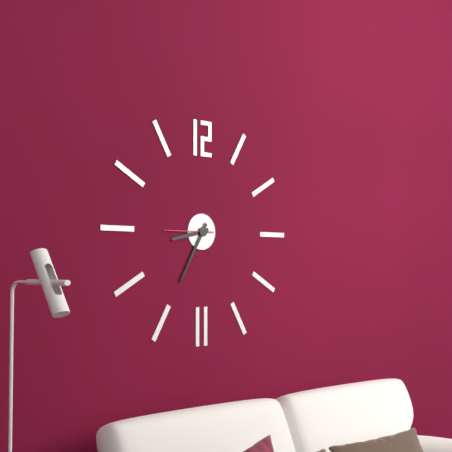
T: 8:35
